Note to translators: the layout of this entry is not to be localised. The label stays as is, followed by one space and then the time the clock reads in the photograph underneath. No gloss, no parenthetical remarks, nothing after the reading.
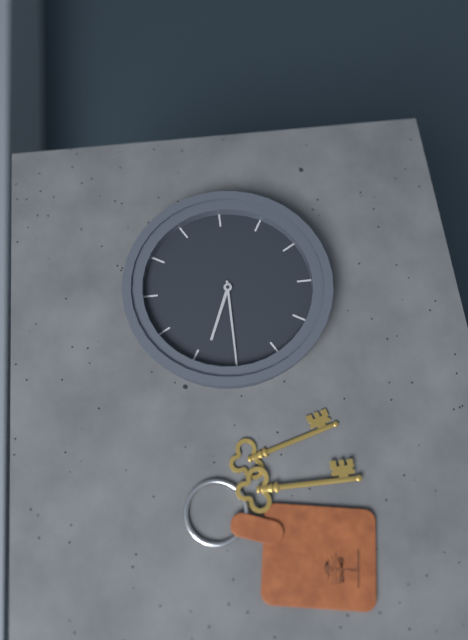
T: 9:45
